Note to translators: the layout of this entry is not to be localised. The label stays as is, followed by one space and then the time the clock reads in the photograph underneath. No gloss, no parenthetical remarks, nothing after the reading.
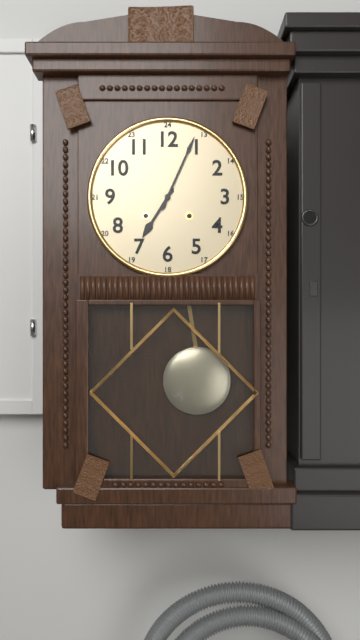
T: 7:04
